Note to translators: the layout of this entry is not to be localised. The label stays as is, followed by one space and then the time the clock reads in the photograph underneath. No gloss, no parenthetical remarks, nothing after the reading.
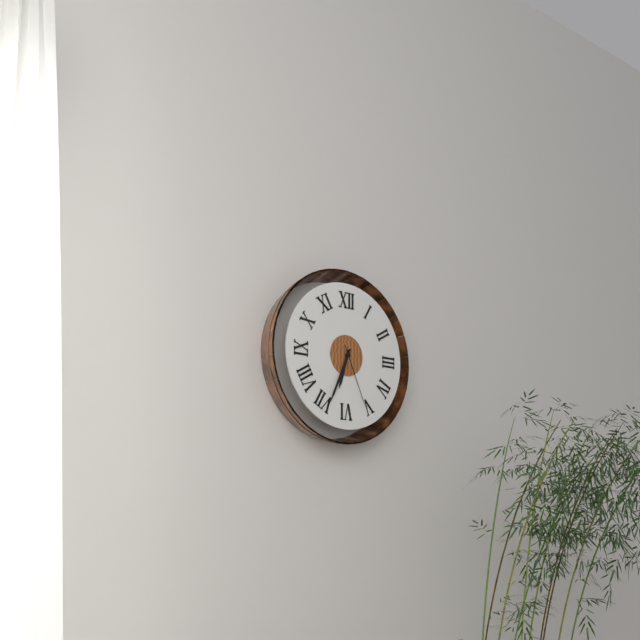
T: 6:34:26
